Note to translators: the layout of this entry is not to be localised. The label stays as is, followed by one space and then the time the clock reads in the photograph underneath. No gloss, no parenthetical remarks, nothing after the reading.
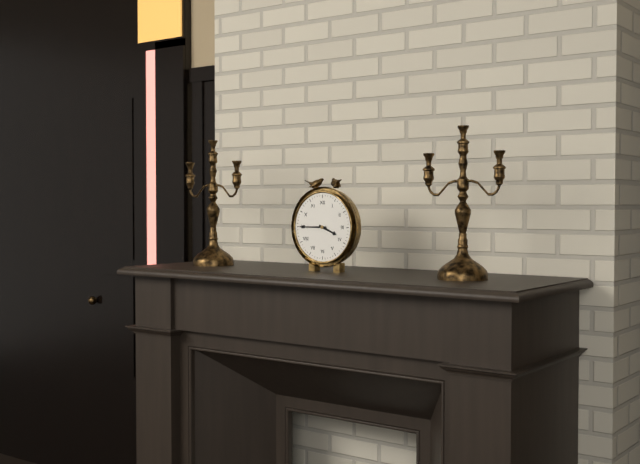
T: 3:45
